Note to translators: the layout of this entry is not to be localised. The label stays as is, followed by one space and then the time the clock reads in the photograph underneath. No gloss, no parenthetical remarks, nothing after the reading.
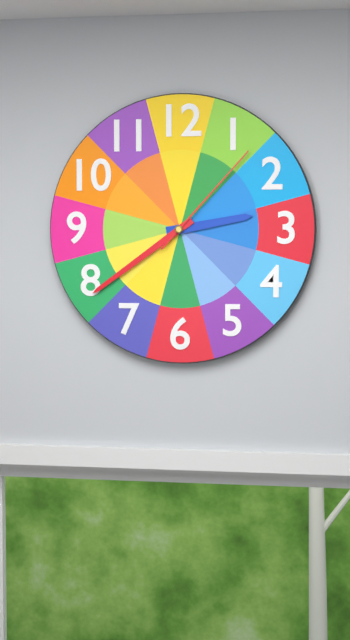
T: 2:39:07
